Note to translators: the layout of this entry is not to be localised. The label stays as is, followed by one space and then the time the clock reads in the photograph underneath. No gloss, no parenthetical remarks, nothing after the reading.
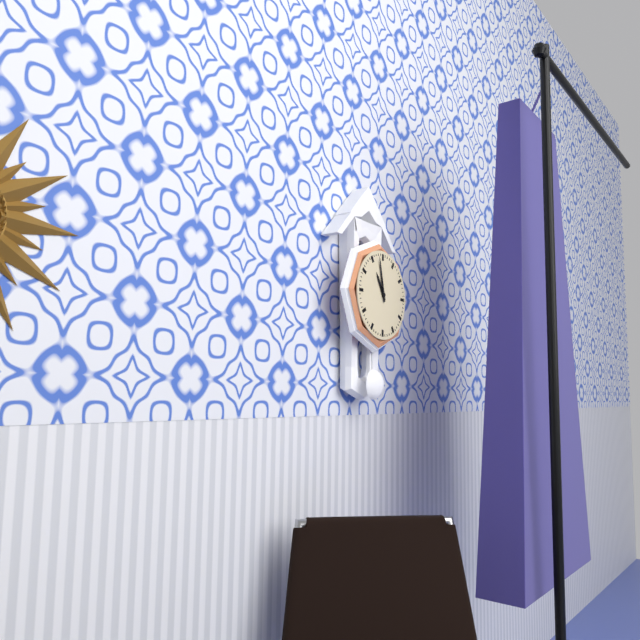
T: 10:58
